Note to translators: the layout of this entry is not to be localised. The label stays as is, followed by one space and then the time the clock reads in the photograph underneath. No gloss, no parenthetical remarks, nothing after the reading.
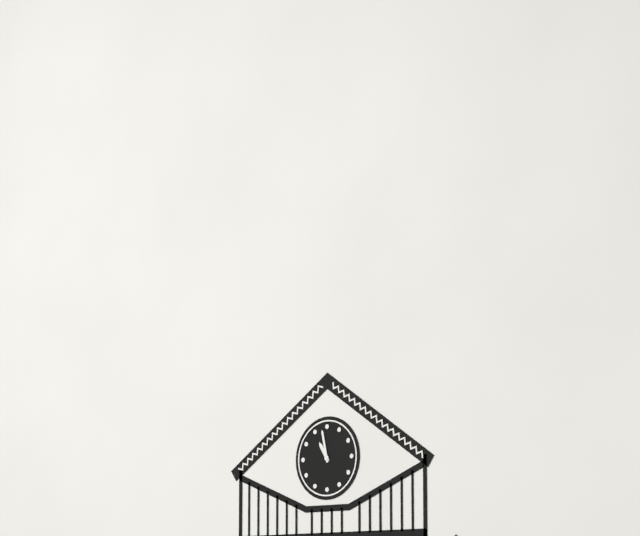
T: 10:58
